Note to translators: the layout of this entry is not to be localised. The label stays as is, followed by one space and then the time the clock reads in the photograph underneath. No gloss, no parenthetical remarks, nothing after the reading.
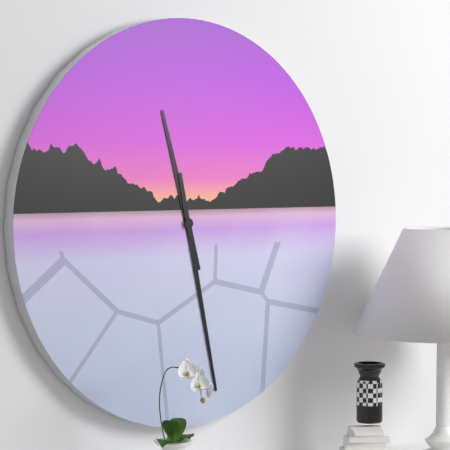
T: 11:28
